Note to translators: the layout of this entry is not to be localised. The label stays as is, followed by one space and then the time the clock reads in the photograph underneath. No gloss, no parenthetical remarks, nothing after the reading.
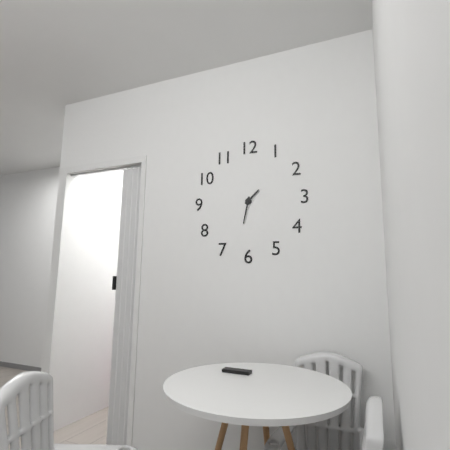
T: 1:32
